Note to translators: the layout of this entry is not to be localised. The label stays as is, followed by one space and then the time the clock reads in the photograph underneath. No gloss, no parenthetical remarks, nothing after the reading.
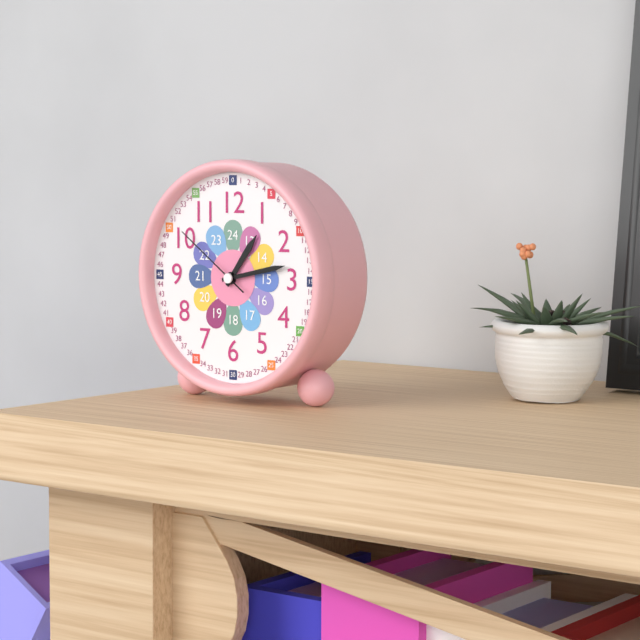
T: 1:13:51
